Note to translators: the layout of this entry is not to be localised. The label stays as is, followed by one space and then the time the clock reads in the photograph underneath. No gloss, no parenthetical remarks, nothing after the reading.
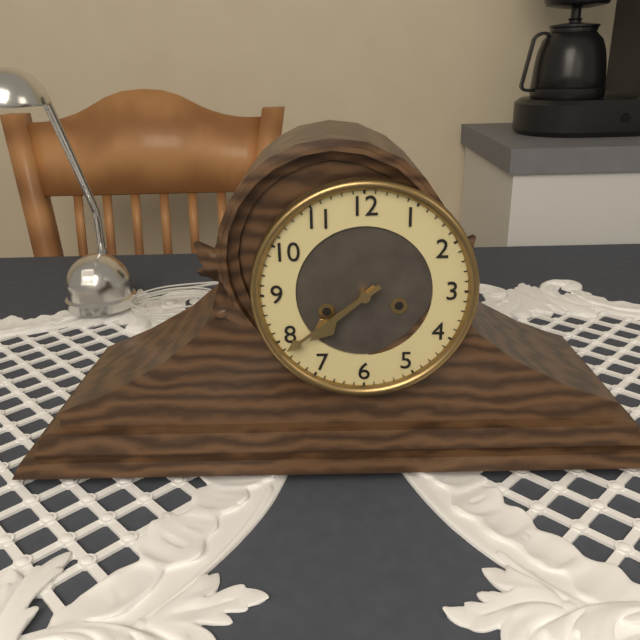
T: 7:39
